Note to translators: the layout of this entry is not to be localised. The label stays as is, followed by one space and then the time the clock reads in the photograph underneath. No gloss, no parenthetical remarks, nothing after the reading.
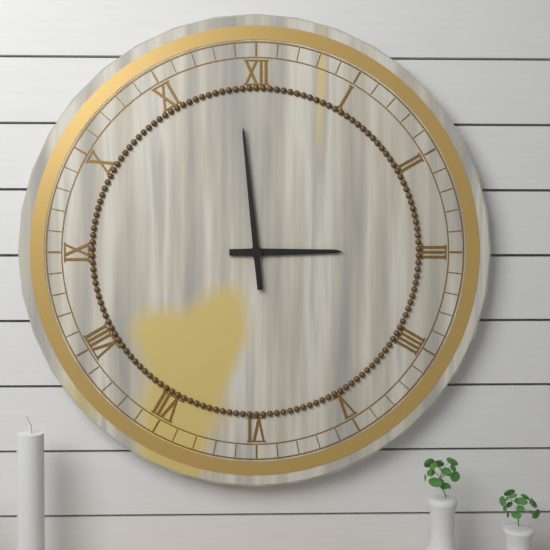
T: 2:59
